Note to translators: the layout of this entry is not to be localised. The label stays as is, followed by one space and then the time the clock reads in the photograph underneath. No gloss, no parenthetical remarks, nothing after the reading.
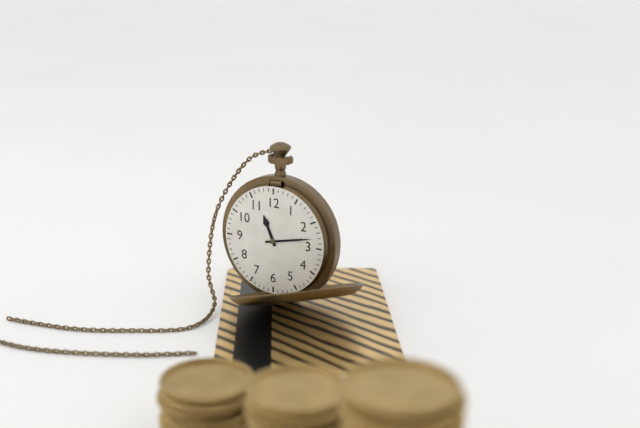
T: 11:13
